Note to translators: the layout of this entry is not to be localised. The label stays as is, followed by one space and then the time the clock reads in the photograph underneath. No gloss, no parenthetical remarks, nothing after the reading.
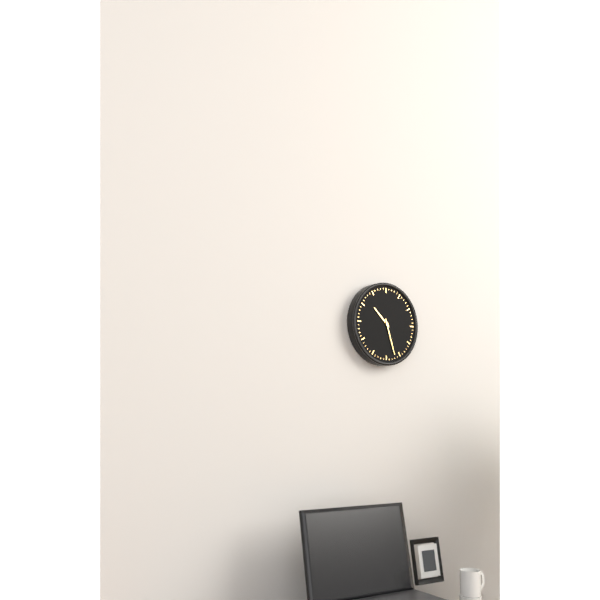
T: 10:27
